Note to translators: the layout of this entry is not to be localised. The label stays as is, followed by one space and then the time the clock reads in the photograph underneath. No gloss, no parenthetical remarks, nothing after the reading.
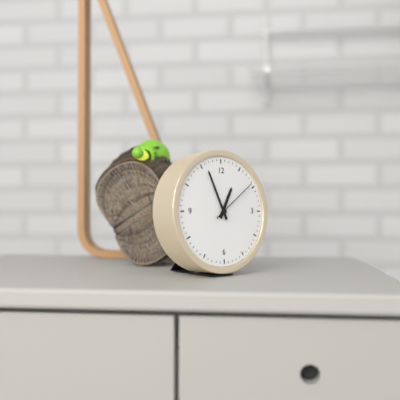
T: 12:56
